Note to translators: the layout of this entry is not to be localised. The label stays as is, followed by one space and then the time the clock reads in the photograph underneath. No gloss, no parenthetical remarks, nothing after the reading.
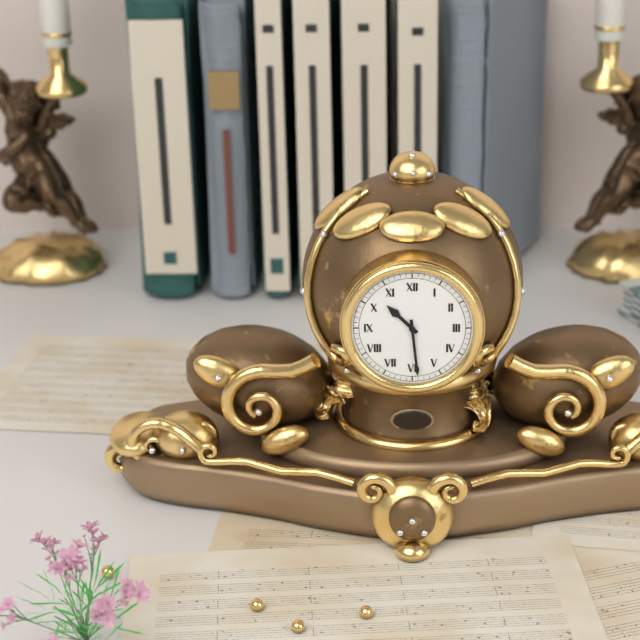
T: 10:29
